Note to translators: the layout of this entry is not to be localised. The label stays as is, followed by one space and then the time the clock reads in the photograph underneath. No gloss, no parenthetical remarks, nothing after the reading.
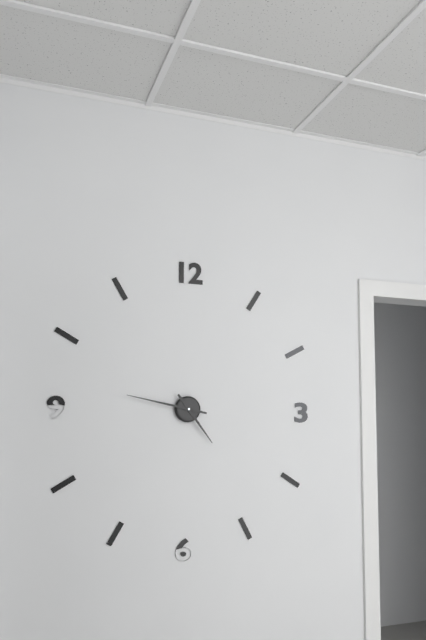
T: 4:47
